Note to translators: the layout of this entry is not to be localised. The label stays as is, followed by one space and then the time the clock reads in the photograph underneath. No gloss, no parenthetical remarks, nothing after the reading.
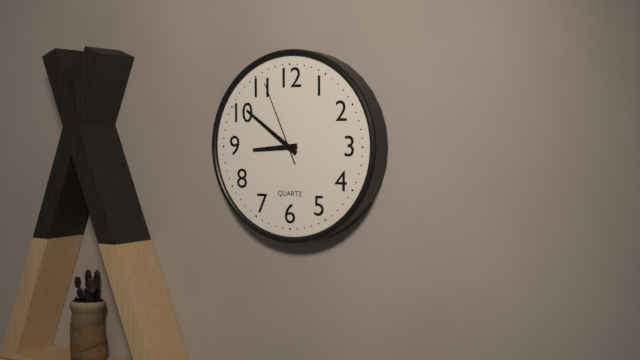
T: 8:51:56
